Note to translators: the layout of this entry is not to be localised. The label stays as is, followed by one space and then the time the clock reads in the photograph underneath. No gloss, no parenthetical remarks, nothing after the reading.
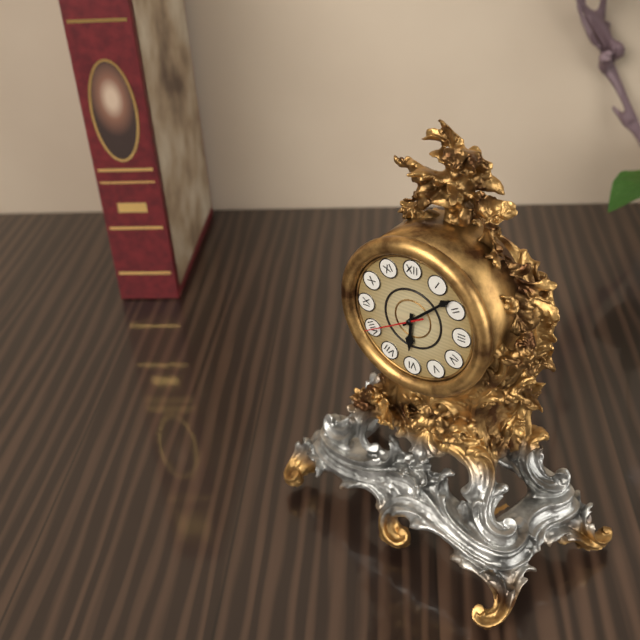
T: 6:08:40
